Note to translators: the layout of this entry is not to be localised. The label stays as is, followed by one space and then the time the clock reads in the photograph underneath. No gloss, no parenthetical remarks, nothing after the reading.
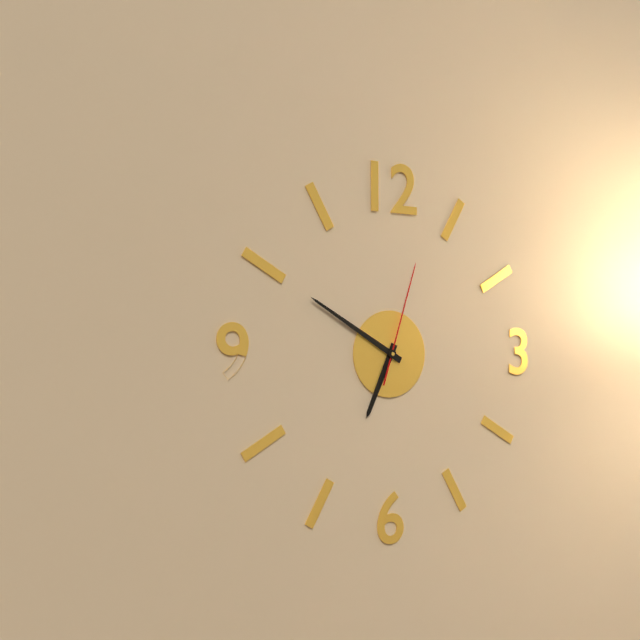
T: 6:50:03
